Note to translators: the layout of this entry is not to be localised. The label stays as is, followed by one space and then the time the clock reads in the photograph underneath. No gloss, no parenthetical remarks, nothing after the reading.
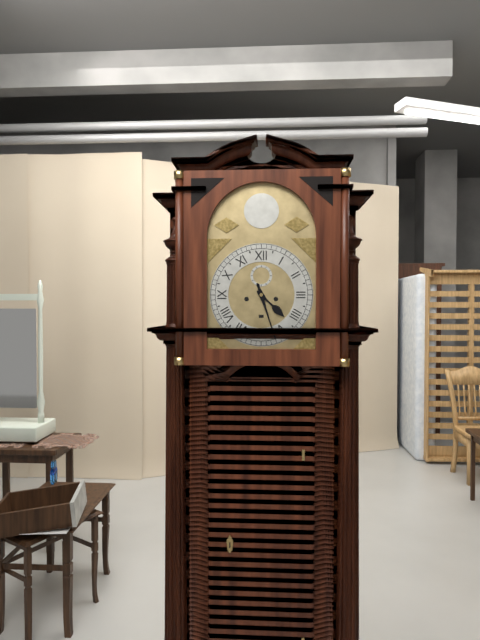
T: 4:27
